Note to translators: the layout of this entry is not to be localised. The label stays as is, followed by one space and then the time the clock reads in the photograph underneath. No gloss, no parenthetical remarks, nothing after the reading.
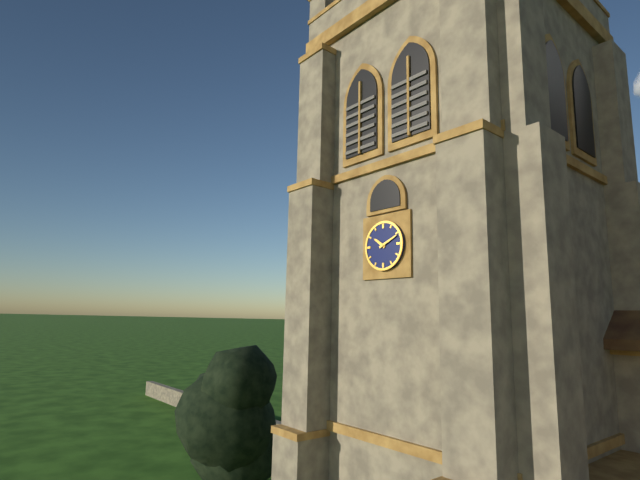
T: 10:11
